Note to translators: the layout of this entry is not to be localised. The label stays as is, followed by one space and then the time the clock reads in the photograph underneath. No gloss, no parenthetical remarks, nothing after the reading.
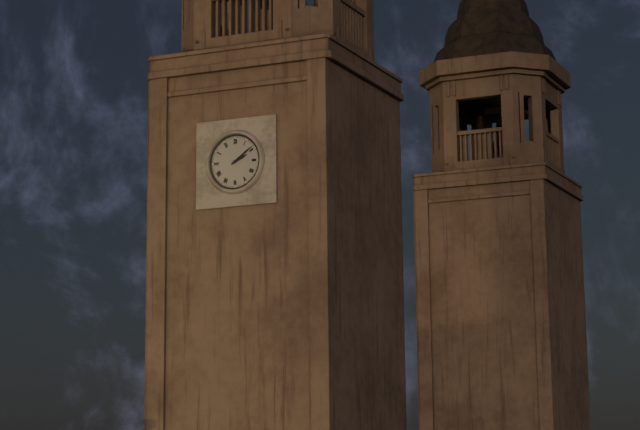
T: 2:09
